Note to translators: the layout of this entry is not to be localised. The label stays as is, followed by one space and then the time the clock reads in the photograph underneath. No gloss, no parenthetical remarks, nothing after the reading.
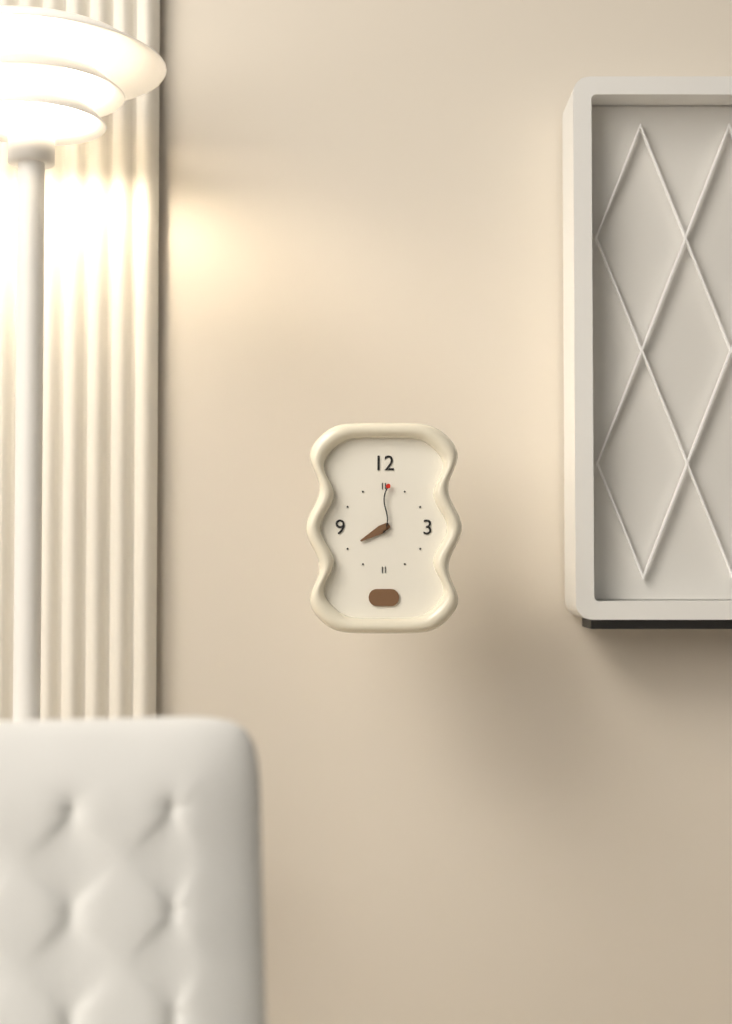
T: 8:01
